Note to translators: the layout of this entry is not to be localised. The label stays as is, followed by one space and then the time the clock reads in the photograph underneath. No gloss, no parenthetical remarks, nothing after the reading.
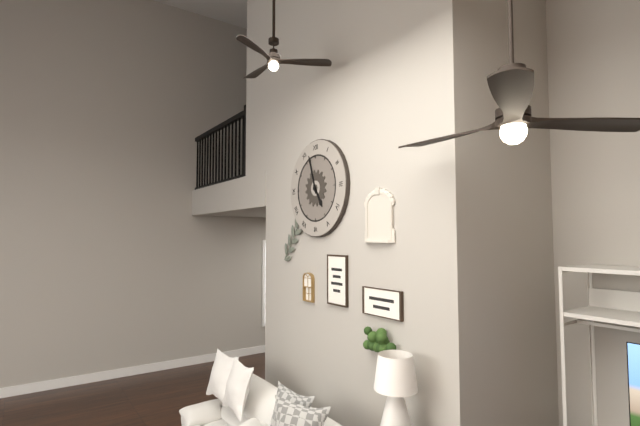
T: 4:57
